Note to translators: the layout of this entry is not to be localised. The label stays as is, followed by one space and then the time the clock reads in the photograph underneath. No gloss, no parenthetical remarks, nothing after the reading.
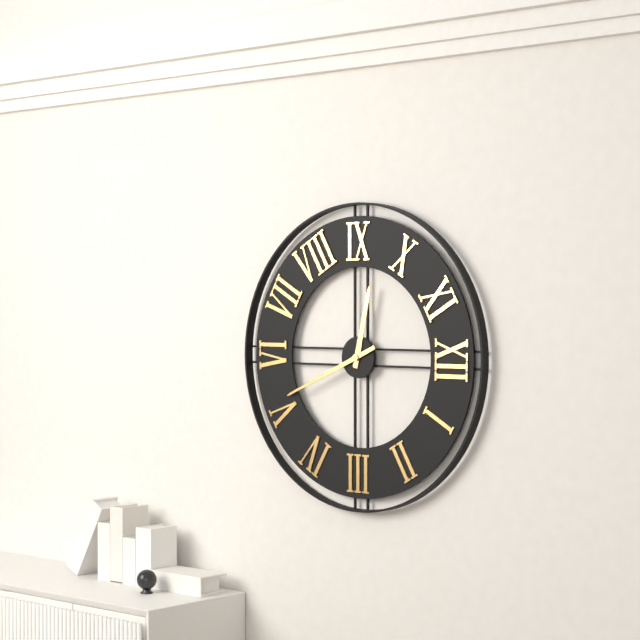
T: 9:26
